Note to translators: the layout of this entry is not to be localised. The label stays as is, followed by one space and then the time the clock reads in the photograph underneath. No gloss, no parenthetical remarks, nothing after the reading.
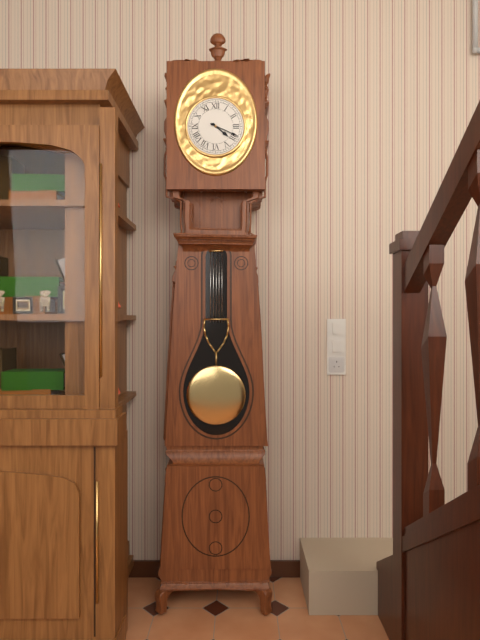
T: 4:19
